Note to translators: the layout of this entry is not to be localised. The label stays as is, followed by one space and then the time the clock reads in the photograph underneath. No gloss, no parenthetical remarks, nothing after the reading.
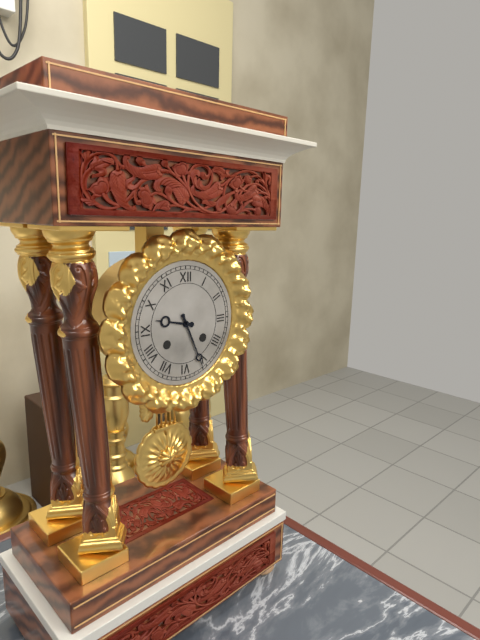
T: 9:26
